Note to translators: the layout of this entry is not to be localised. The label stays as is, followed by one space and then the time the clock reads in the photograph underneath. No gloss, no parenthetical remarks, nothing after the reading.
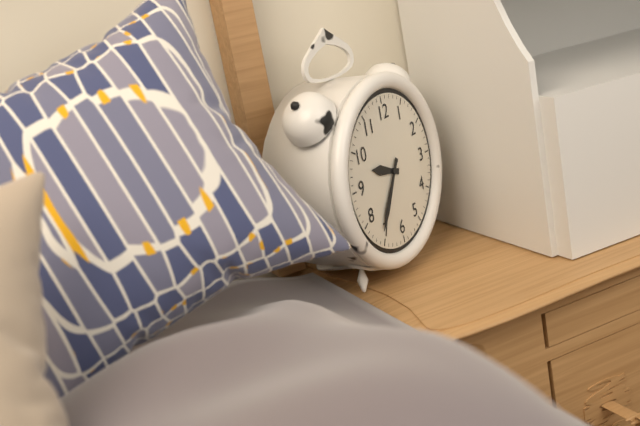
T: 9:36
